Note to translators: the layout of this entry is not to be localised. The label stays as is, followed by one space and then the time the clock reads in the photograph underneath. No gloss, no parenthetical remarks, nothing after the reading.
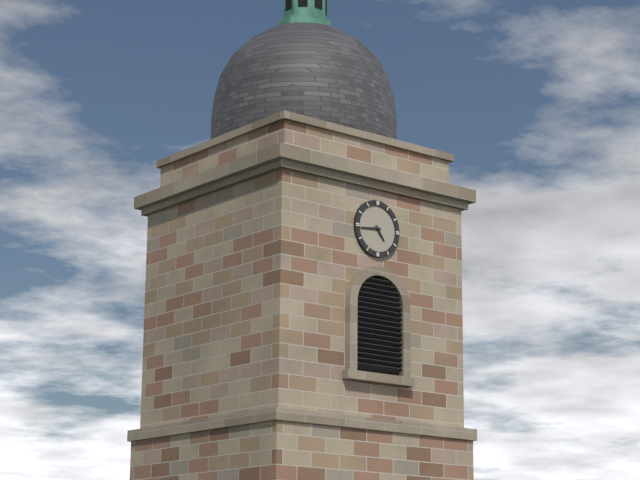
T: 4:44
